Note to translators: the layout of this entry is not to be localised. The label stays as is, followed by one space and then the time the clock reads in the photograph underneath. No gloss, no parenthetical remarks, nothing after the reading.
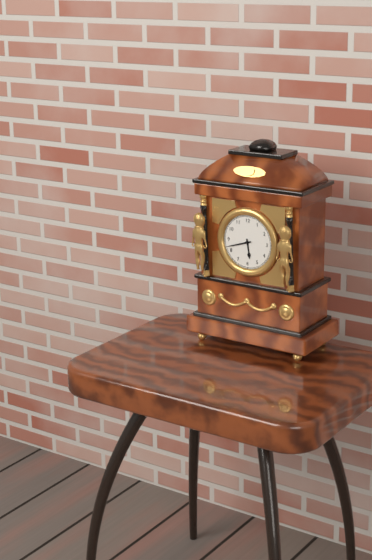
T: 5:42
